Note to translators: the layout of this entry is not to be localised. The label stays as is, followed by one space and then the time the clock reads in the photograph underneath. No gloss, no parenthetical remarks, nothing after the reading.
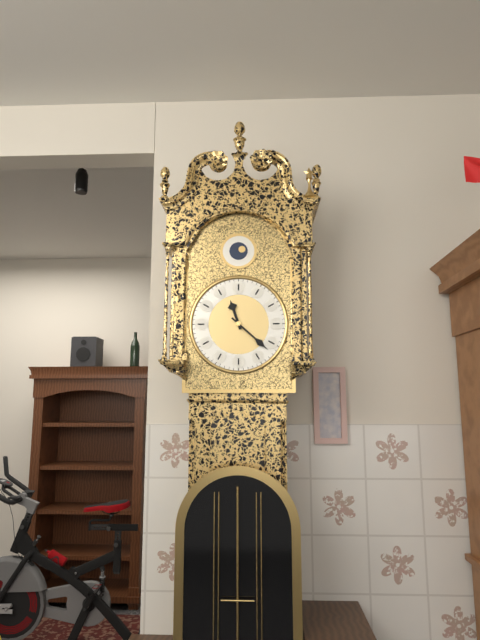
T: 11:22
